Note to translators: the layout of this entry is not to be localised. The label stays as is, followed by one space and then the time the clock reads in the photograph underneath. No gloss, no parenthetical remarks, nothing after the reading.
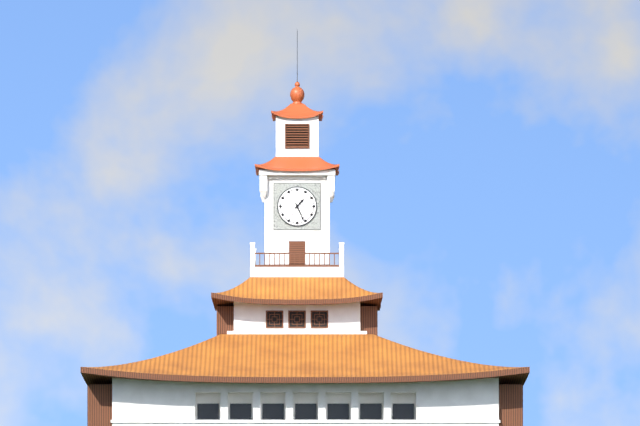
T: 1:26
